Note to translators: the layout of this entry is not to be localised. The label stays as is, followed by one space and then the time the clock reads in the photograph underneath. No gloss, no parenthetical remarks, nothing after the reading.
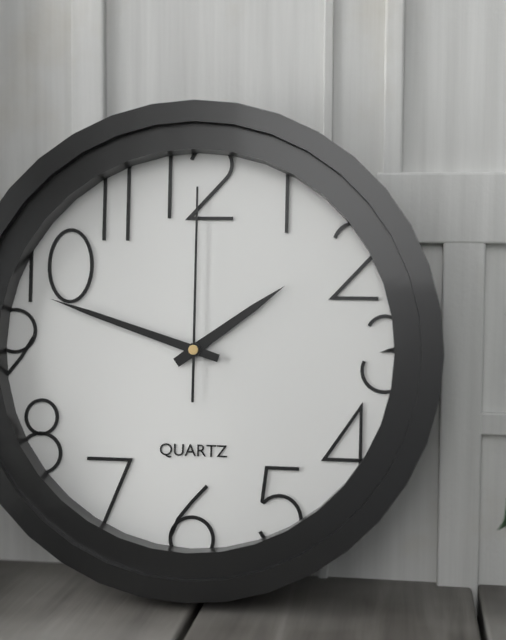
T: 1:48:00
